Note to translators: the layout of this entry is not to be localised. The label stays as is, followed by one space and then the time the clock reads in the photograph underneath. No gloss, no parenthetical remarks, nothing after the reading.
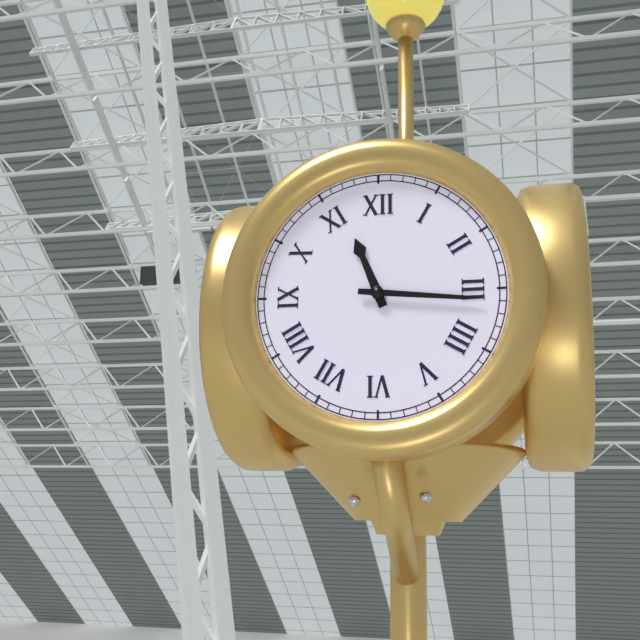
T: 11:16
